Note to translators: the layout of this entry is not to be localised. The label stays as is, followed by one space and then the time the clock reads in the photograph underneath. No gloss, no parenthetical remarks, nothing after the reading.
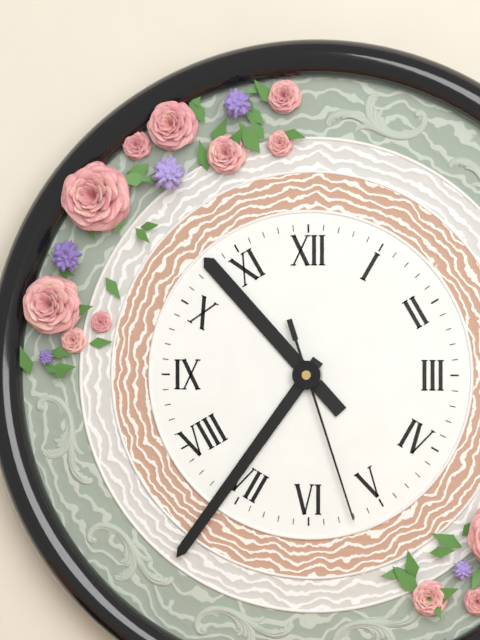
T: 10:36:27
